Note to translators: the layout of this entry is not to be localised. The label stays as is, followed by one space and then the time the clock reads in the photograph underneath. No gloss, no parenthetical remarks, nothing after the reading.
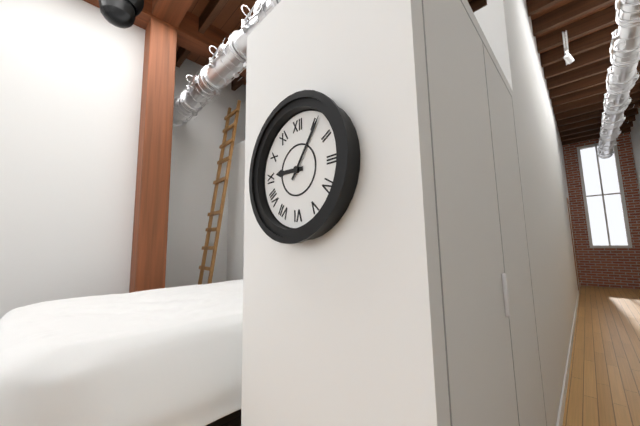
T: 9:06
